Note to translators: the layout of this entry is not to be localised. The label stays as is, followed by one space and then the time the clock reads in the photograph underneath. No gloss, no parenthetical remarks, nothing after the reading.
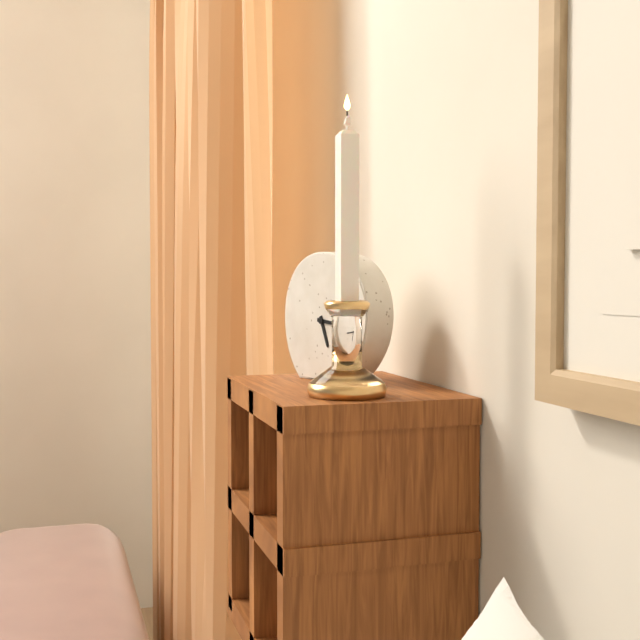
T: 5:16
